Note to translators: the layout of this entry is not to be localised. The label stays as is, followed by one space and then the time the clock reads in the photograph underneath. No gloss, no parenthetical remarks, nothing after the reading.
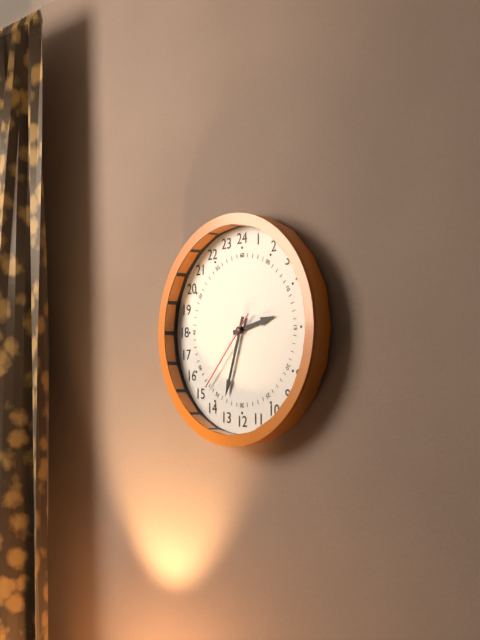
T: 2:33:37
